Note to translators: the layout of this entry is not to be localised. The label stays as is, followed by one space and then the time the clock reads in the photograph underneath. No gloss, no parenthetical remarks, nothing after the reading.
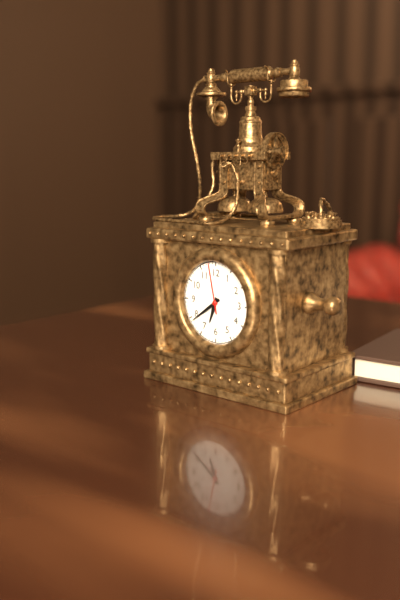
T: 6:39:58
